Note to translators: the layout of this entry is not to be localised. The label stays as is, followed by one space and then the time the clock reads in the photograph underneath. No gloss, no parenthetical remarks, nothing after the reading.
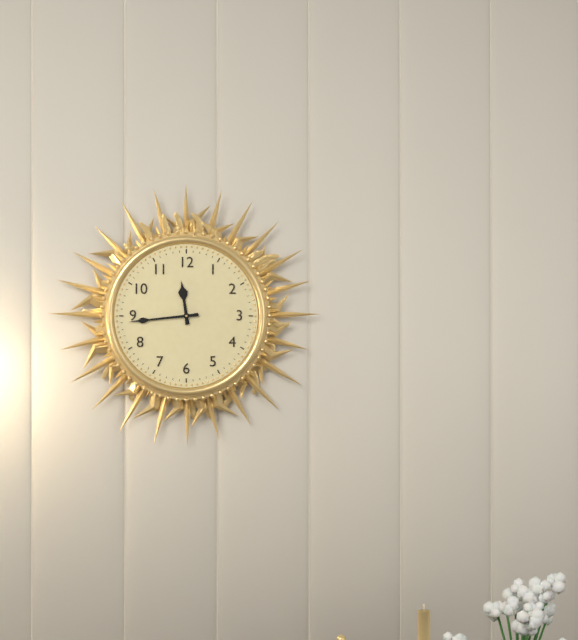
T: 11:44
